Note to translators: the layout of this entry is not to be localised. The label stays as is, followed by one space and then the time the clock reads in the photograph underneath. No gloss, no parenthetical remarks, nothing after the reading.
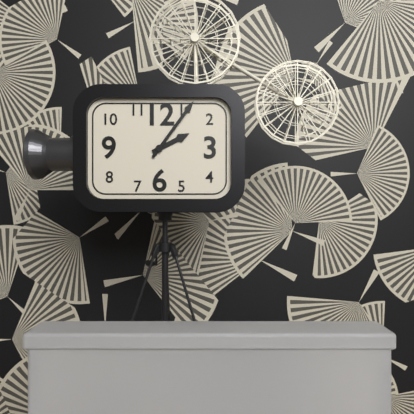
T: 2:06
